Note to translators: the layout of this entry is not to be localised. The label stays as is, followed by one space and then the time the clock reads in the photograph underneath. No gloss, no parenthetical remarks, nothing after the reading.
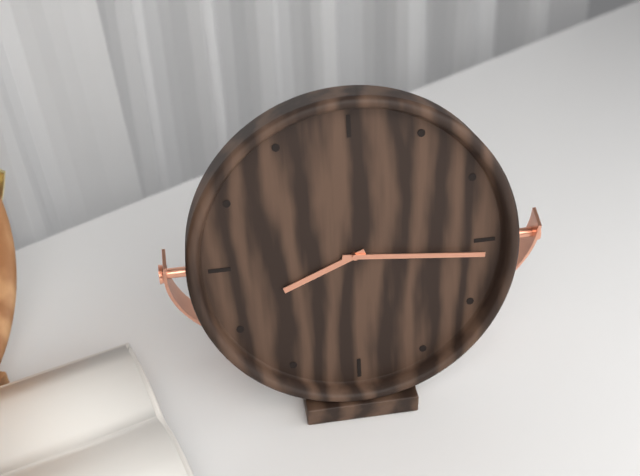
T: 8:16
